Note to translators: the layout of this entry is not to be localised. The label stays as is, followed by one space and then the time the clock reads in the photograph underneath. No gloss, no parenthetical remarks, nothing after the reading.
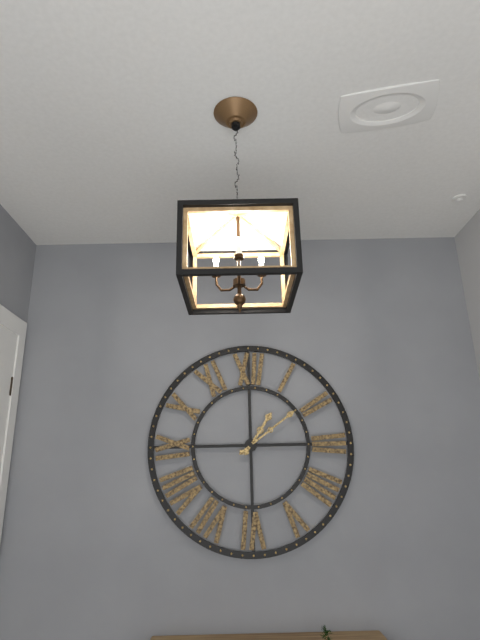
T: 1:09
